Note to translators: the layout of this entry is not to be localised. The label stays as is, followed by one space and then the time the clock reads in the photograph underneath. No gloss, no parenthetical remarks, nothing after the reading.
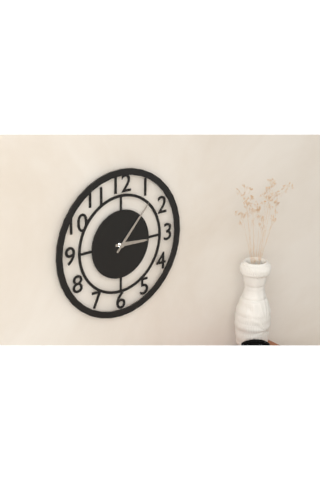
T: 3:07
